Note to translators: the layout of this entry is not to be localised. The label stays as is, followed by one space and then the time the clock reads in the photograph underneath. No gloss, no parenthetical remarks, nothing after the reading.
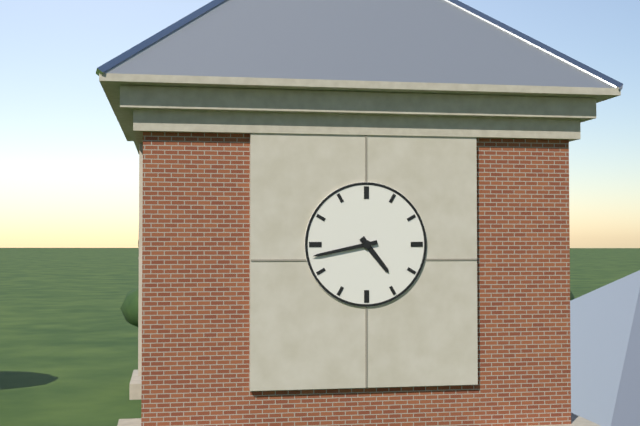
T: 4:43
